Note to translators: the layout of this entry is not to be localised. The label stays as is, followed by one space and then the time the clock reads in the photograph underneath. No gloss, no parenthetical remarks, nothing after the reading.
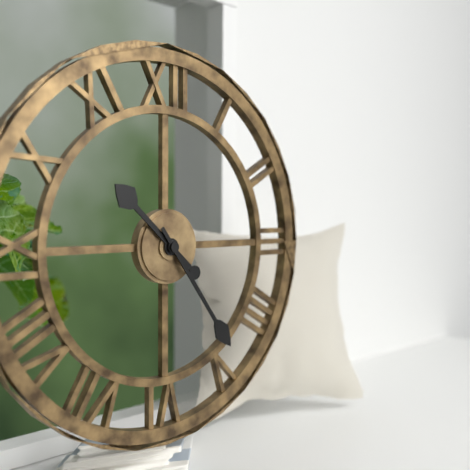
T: 10:24
